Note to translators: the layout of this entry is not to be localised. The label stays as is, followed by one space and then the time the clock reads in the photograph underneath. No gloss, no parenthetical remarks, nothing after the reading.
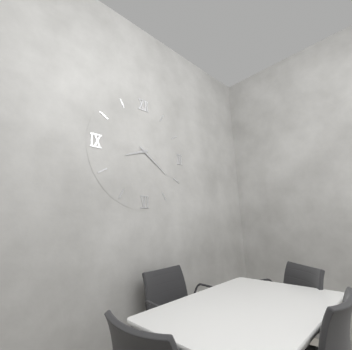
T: 8:21
